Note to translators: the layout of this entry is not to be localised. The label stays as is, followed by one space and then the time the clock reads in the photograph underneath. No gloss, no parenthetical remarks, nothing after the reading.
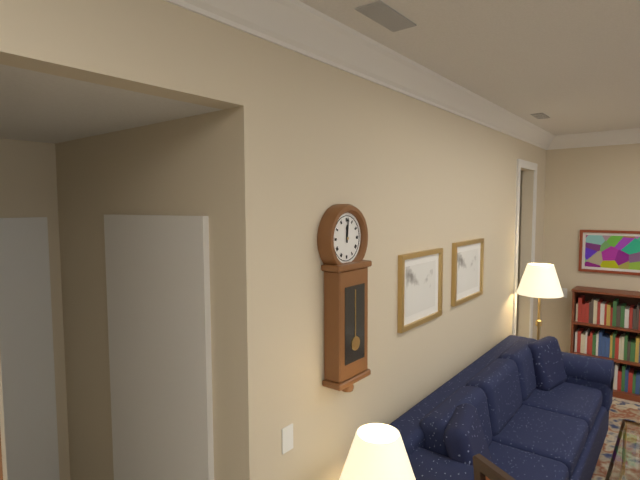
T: 12:01
